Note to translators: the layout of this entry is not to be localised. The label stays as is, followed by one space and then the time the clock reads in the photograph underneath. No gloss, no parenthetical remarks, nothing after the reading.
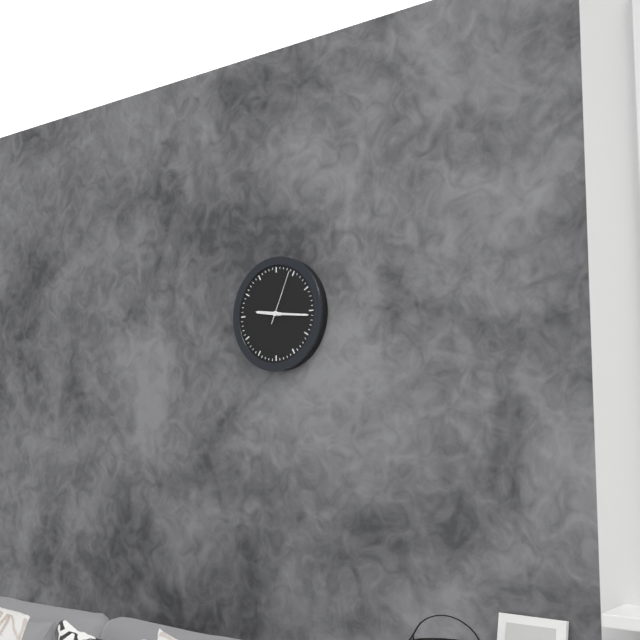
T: 9:16:04
